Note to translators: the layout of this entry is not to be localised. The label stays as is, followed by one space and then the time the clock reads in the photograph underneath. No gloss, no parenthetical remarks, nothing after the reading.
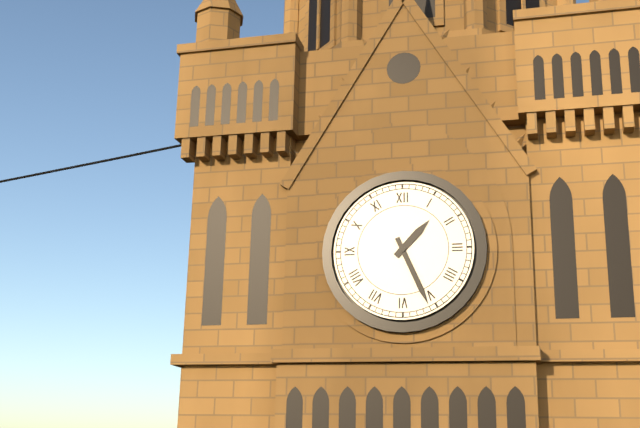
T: 1:26
